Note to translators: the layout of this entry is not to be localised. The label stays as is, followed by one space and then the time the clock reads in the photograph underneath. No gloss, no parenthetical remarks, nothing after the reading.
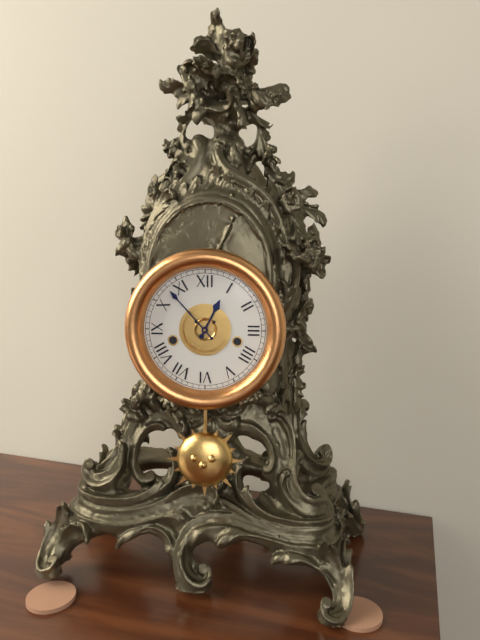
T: 12:53
